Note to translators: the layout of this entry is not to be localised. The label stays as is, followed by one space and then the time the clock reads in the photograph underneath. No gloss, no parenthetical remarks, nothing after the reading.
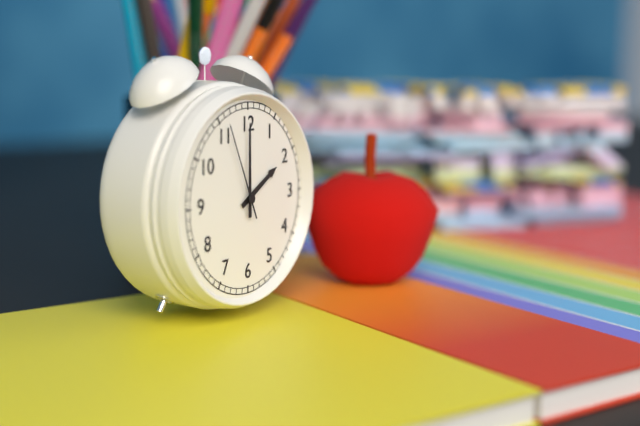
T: 2:00:56
